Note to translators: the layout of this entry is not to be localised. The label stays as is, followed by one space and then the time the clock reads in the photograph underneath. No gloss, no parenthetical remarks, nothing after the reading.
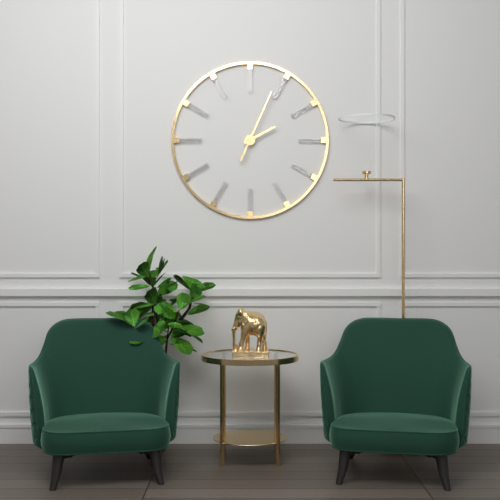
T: 2:04
